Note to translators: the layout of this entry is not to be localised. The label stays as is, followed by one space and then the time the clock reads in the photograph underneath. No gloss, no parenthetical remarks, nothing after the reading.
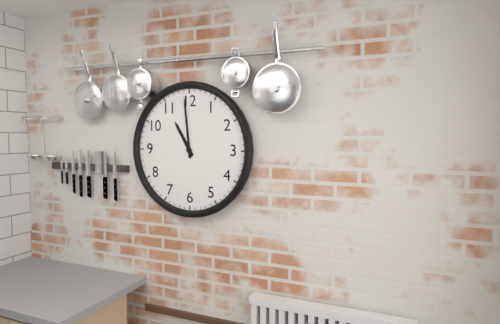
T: 10:59
